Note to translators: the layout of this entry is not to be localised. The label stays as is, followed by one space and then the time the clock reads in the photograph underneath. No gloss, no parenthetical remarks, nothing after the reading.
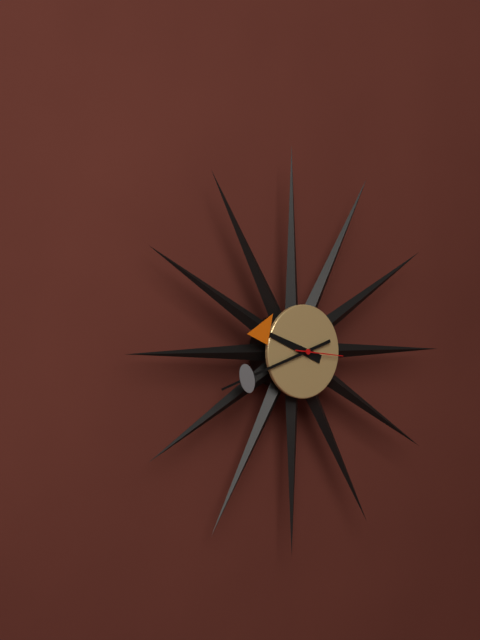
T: 9:42:16
